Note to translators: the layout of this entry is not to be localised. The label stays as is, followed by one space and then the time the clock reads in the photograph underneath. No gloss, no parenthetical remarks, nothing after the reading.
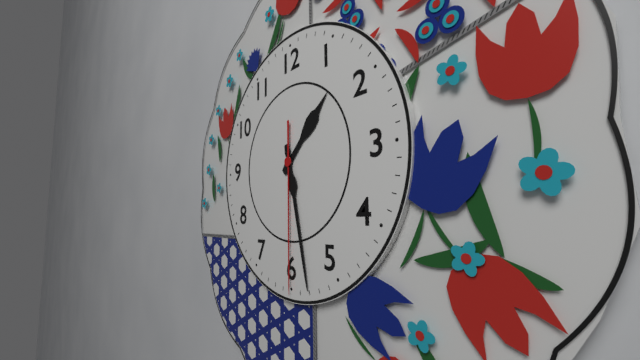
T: 1:28:30
